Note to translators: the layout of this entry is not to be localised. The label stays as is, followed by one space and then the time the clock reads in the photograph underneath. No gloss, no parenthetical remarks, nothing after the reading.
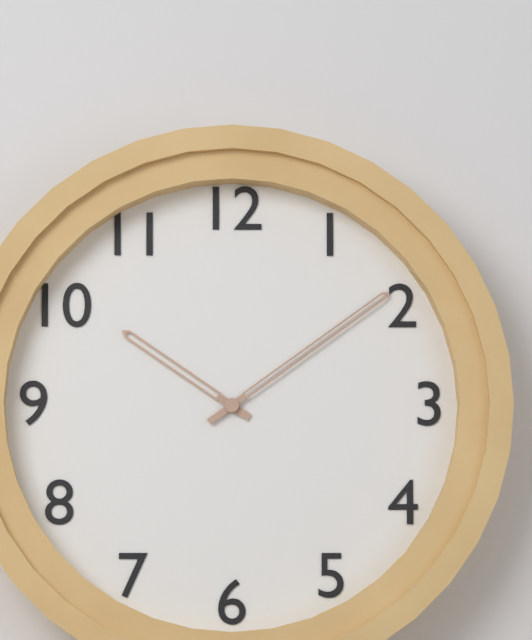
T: 10:09
